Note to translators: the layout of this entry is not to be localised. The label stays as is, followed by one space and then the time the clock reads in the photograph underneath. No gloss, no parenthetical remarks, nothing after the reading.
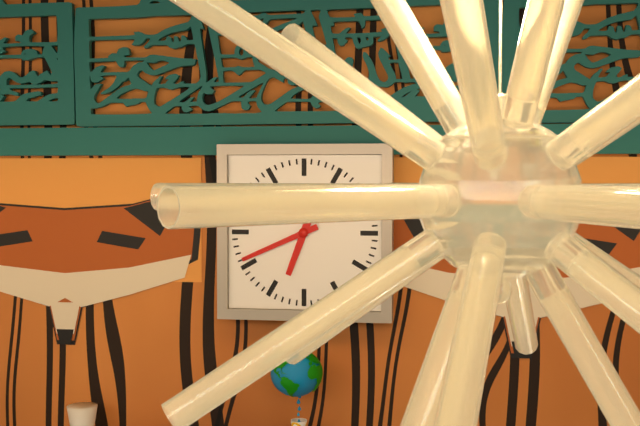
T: 6:41
